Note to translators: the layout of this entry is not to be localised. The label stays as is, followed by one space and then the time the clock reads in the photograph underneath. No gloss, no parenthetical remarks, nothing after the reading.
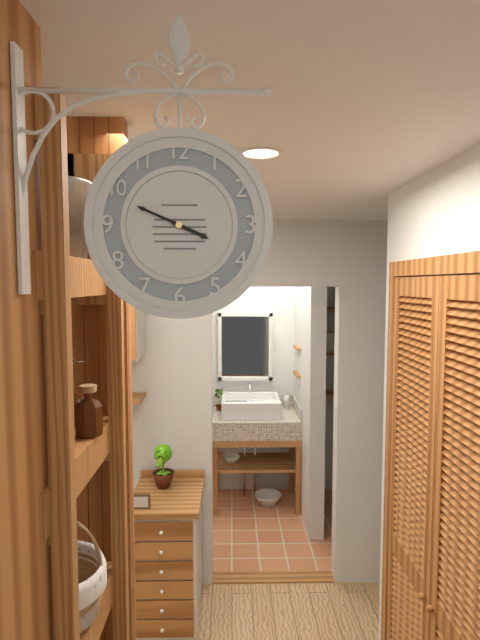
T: 3:49
